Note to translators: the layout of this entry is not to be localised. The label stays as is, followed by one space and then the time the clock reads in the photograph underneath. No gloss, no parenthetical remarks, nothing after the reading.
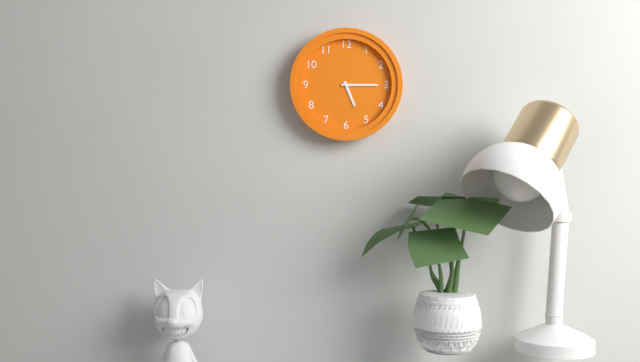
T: 5:15
